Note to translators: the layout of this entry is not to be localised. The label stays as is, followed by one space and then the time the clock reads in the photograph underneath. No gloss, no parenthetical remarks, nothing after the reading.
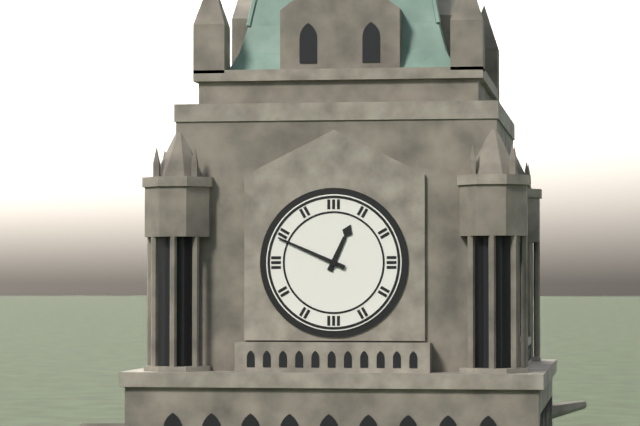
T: 12:49
